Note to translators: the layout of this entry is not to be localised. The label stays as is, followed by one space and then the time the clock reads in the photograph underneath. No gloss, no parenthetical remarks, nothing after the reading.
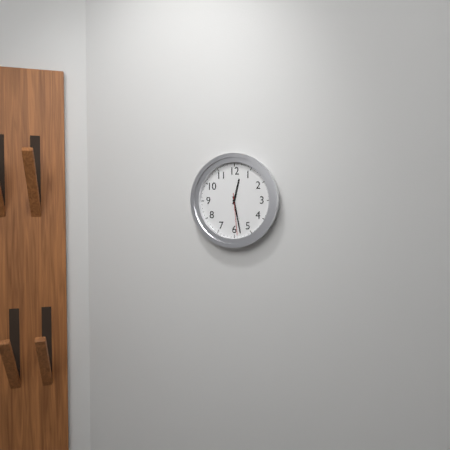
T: 12:28
